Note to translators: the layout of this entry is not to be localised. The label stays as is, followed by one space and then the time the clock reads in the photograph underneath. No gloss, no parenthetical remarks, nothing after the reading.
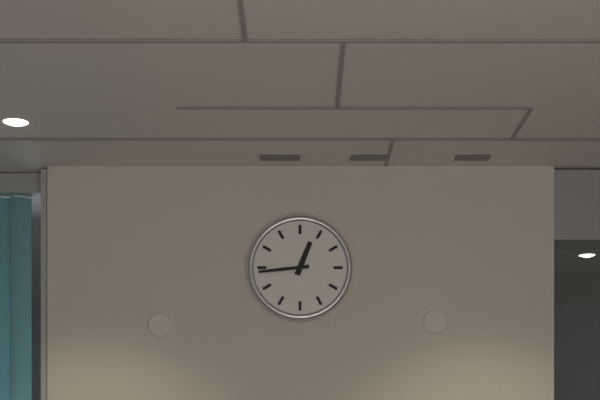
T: 12:44
